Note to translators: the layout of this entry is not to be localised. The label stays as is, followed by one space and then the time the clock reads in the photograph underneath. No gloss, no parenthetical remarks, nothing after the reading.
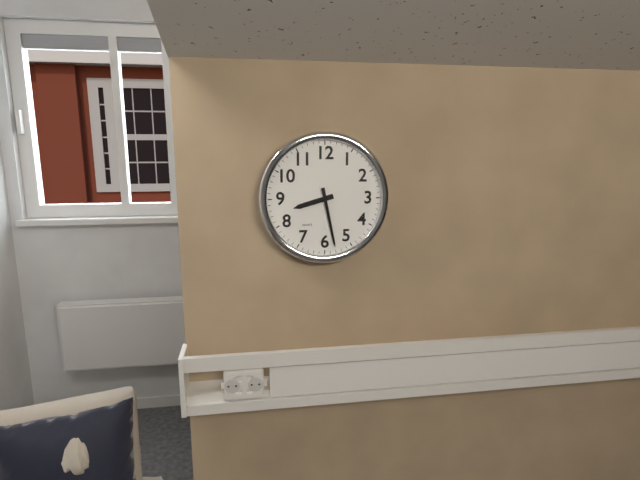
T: 8:28
